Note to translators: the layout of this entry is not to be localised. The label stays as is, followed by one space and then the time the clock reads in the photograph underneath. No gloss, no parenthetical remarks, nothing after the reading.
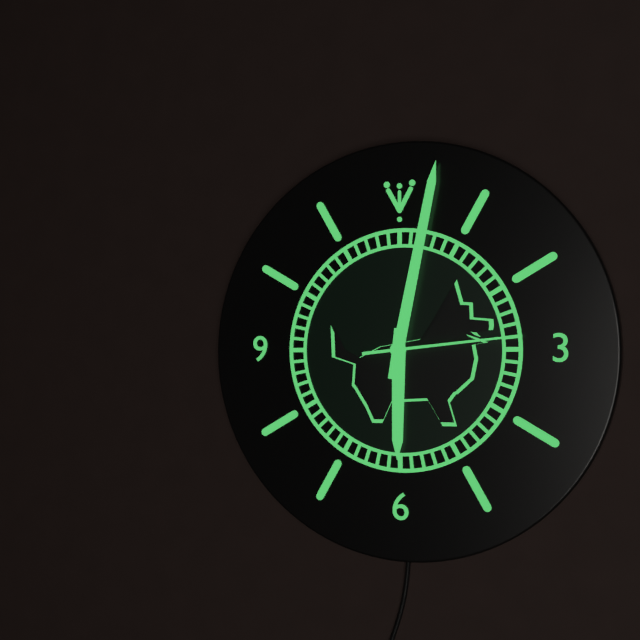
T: 6:02:14
